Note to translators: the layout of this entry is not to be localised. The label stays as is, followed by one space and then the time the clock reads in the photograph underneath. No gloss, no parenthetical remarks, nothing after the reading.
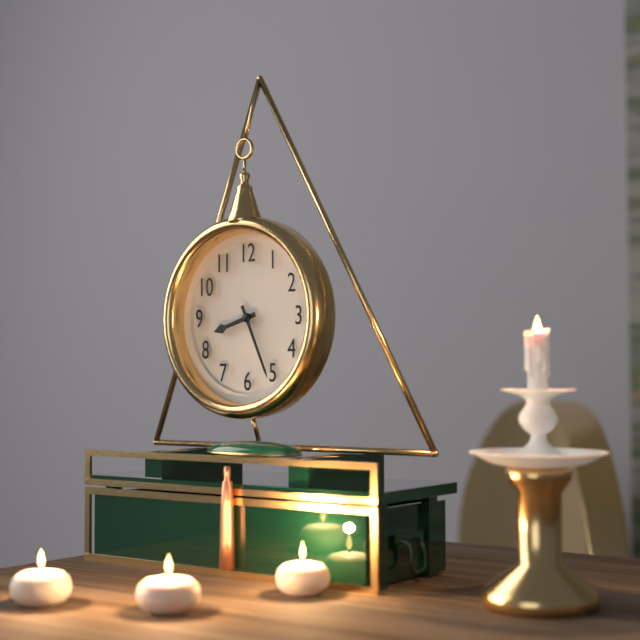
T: 8:26
